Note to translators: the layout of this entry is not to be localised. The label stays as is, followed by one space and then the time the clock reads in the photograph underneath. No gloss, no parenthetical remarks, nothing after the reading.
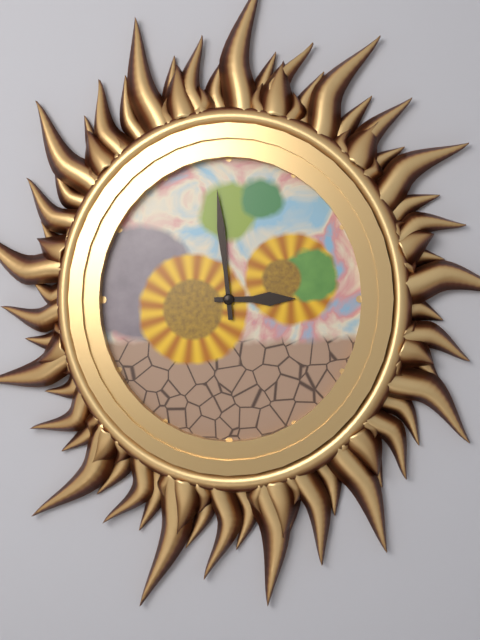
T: 2:59
